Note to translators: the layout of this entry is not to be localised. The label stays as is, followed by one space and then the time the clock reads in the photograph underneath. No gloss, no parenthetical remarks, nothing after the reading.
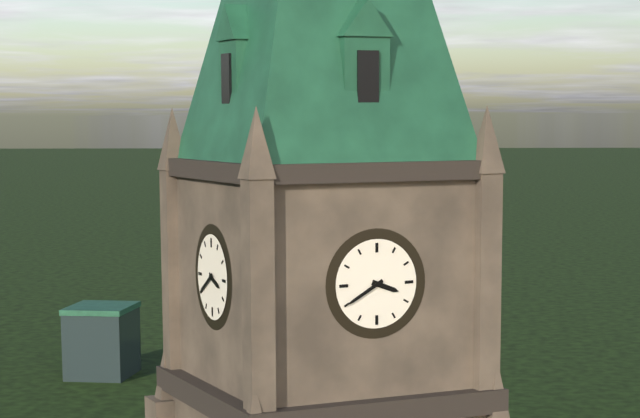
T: 3:40
